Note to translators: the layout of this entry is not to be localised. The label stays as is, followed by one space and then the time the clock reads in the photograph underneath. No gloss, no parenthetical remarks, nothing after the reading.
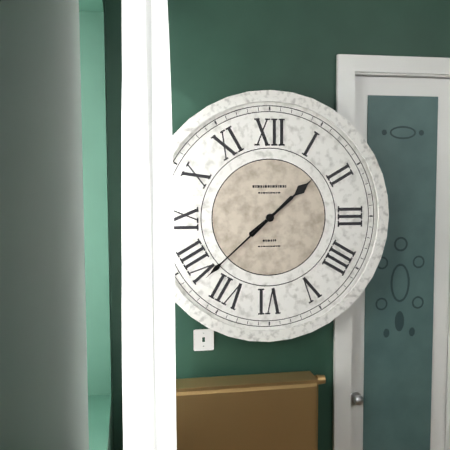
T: 1:38
